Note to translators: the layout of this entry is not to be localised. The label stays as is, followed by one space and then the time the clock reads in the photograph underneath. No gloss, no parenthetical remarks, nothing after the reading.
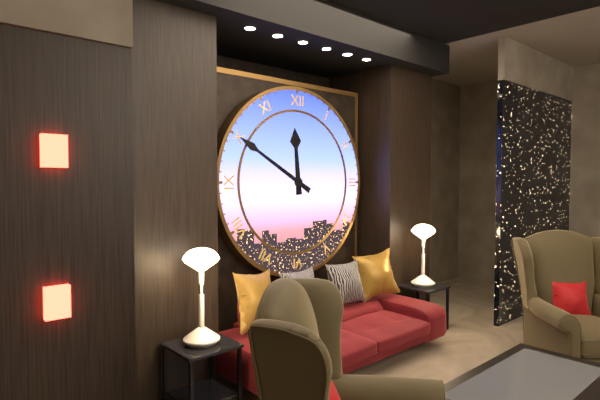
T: 11:50
